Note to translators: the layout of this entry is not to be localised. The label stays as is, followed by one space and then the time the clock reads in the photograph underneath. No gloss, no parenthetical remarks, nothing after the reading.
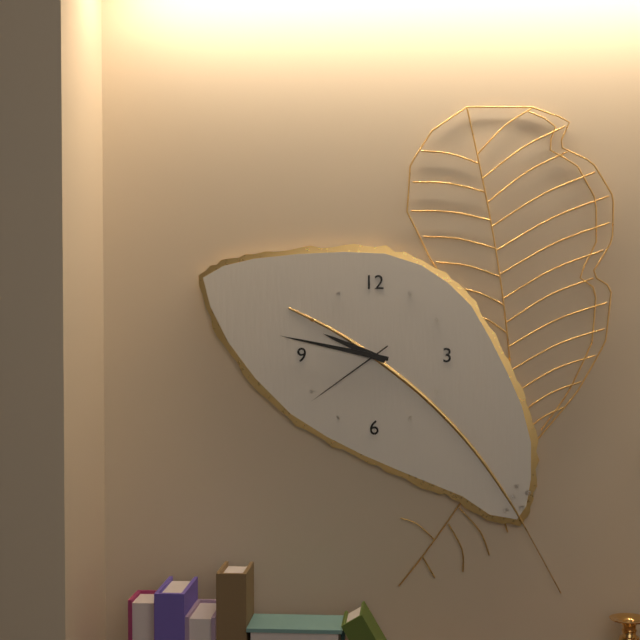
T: 9:47:39
